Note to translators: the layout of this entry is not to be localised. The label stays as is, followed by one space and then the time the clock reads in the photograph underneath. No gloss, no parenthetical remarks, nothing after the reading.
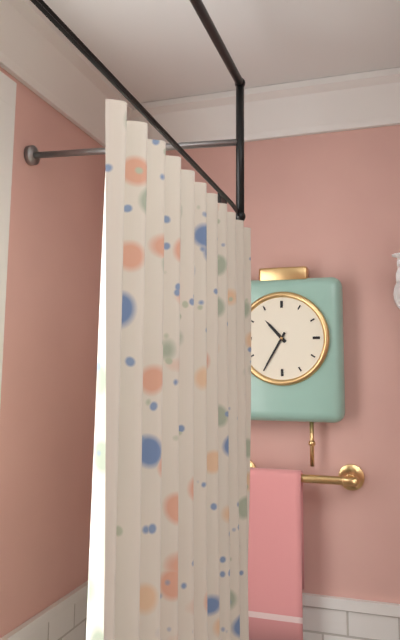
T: 10:35
